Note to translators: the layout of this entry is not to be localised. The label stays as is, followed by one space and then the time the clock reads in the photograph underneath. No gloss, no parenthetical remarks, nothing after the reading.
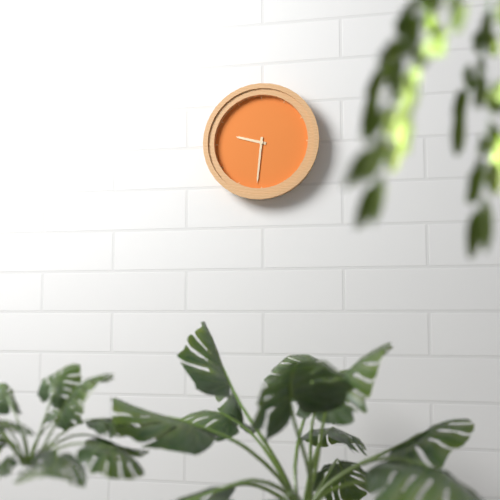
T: 9:31
